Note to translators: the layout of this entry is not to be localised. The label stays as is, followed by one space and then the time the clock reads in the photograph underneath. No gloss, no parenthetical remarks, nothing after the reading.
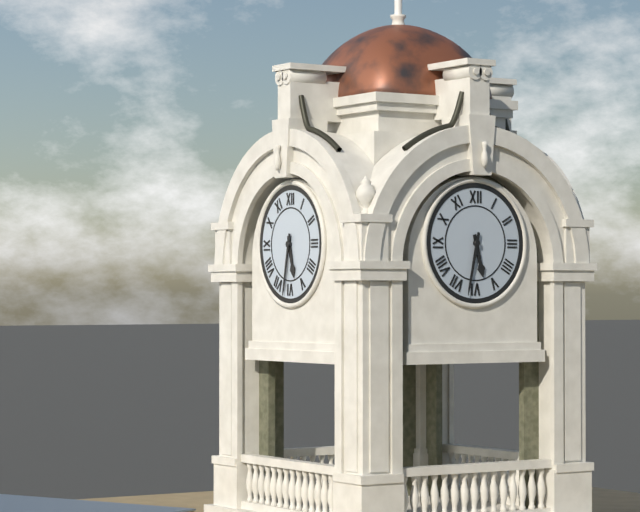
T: 5:32
